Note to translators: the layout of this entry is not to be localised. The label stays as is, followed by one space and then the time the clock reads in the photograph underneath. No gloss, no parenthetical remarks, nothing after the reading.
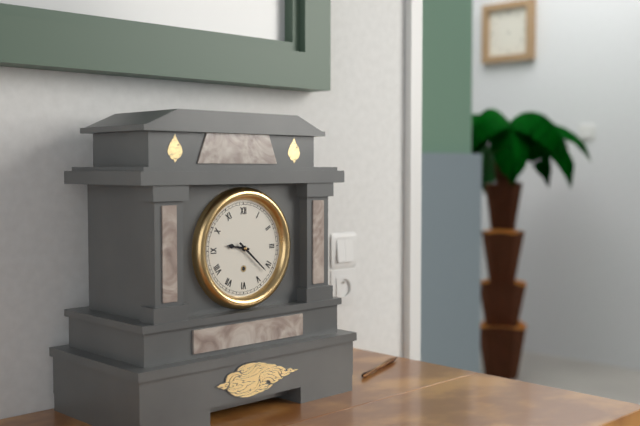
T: 9:22
